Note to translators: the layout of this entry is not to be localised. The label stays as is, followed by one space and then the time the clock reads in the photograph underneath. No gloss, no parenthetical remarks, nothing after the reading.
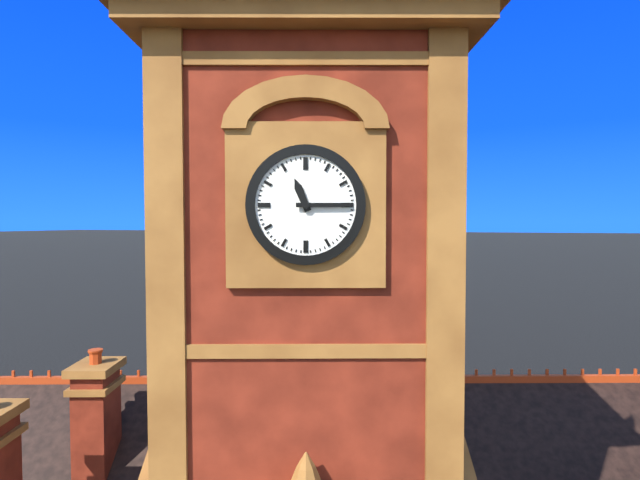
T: 11:15
